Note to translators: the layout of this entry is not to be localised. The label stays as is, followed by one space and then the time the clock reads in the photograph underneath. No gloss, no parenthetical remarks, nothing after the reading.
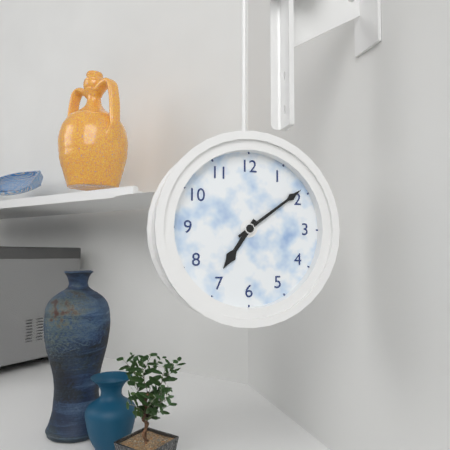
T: 7:09
